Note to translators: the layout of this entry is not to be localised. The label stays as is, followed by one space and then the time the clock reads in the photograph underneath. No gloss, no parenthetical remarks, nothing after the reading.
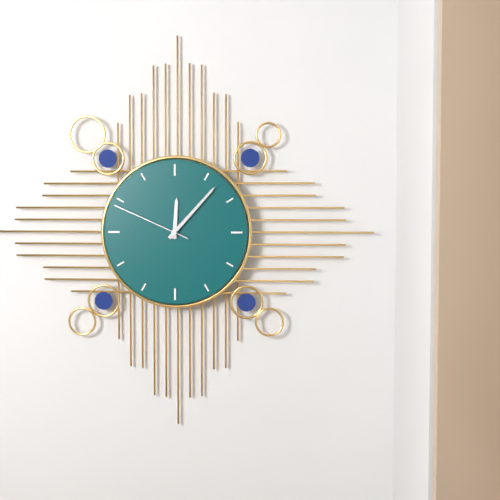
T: 12:07:49
